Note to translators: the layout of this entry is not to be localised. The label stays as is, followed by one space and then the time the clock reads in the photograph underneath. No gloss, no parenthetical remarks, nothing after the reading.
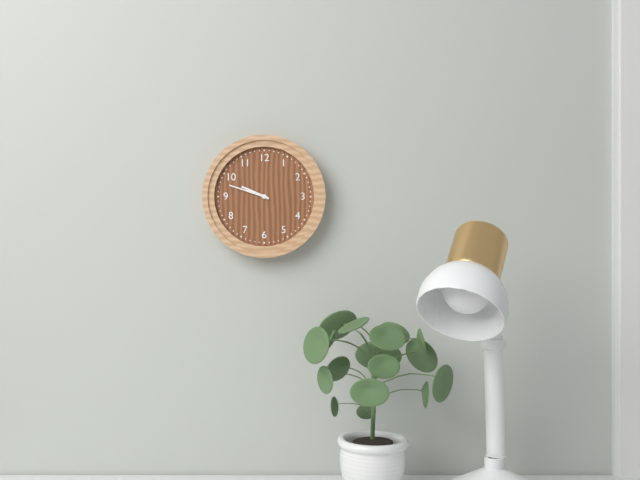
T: 9:48
